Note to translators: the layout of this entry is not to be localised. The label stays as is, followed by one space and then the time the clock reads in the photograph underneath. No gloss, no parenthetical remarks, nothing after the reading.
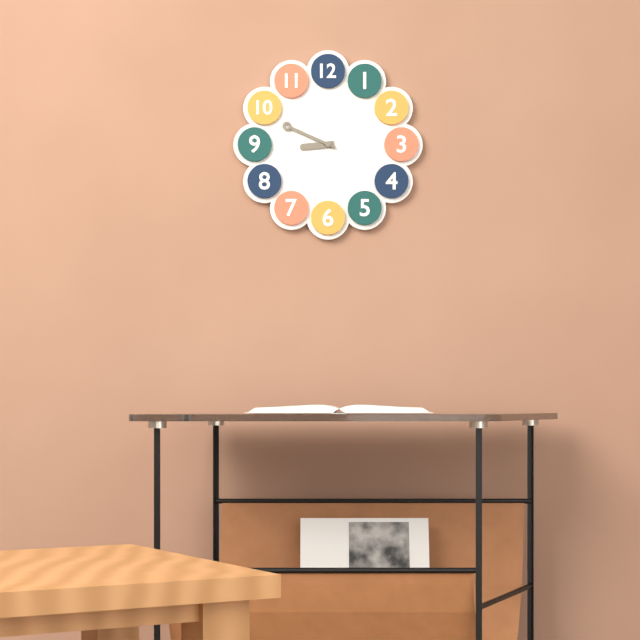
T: 8:49
